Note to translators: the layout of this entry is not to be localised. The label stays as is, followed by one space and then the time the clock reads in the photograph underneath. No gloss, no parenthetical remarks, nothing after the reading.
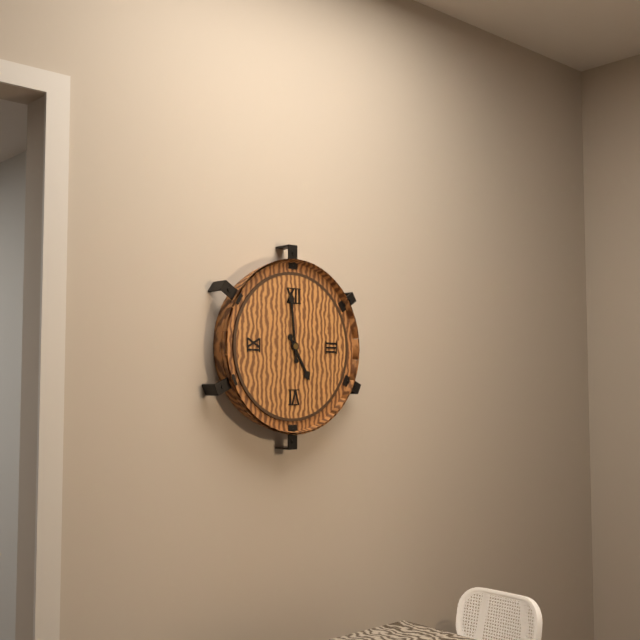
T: 4:59
